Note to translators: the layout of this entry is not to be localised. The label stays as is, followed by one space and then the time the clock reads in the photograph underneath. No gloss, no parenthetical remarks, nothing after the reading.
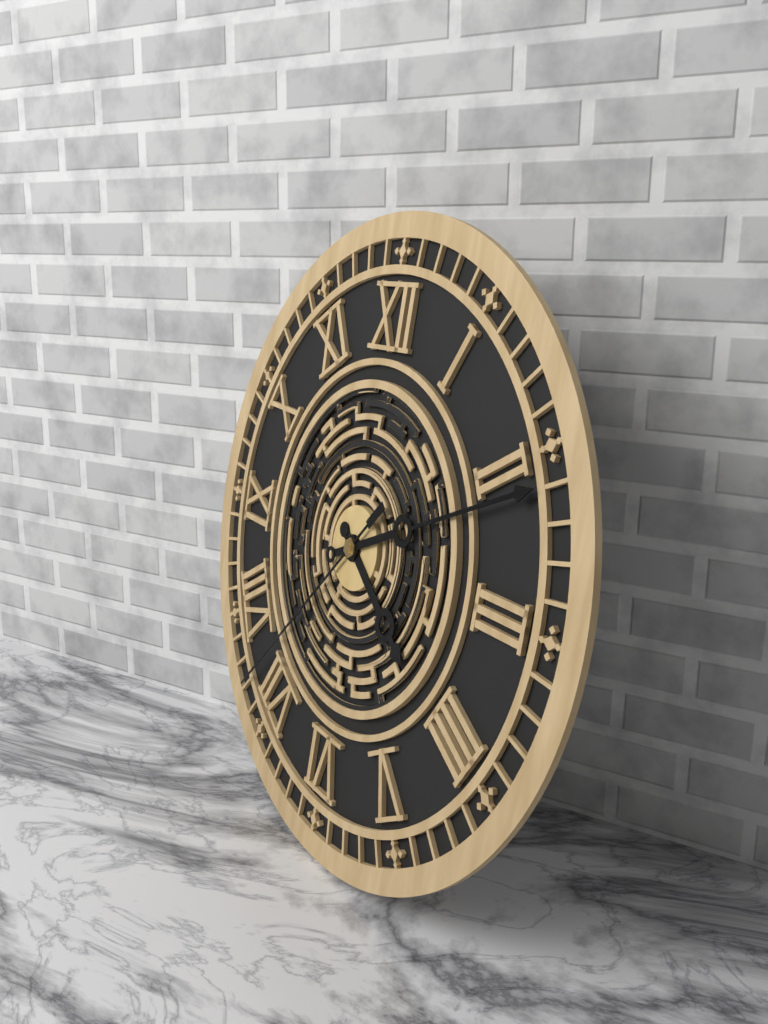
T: 4:11:37
